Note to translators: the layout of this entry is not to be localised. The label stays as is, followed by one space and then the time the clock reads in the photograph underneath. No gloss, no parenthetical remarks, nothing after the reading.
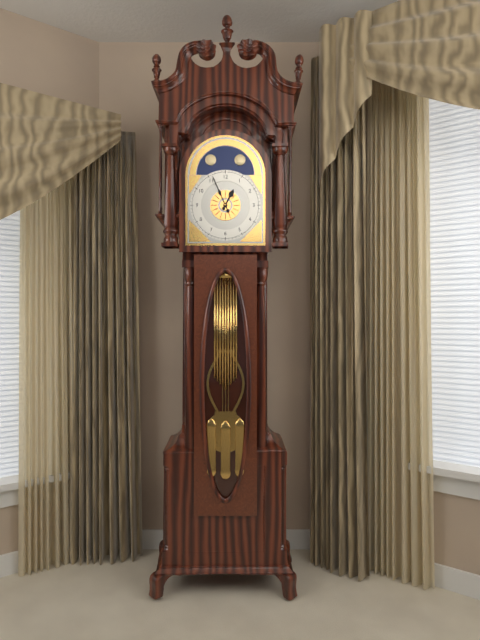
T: 12:56
